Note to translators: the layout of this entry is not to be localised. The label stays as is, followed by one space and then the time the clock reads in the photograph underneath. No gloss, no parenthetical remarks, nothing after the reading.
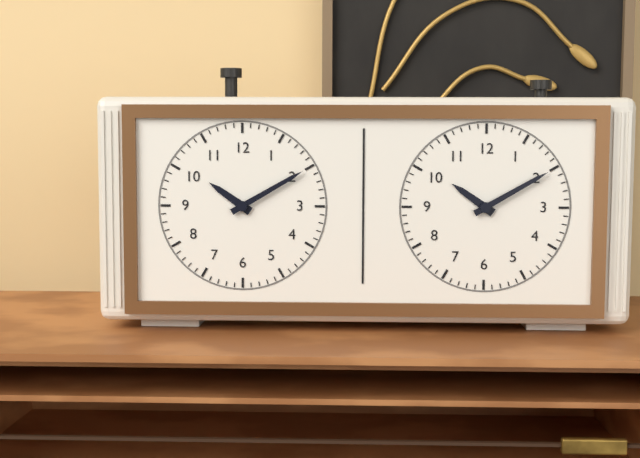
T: 10:10
